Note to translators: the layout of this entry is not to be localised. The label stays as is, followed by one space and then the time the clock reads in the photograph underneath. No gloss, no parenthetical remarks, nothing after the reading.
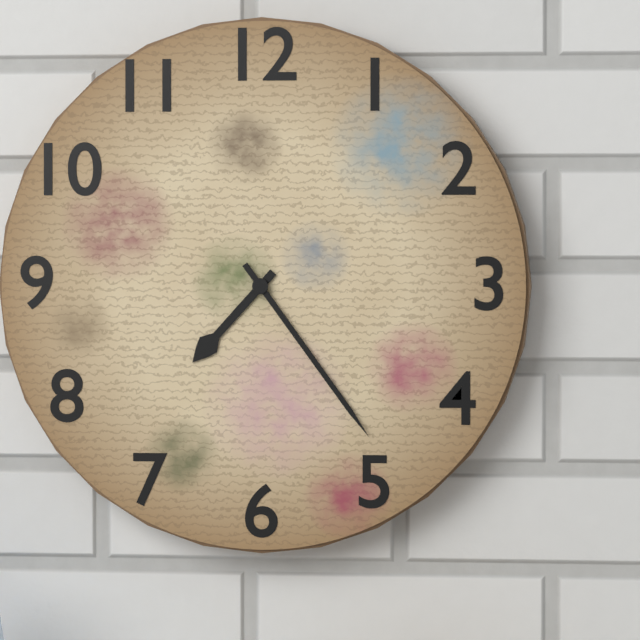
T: 7:24
